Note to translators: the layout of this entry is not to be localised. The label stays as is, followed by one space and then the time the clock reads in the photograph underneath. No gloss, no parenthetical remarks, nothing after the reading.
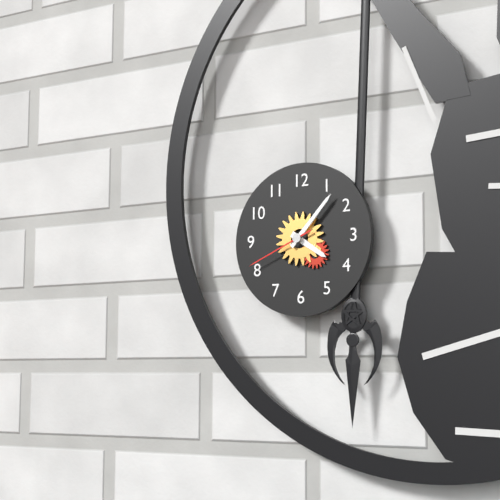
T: 4:07:41
